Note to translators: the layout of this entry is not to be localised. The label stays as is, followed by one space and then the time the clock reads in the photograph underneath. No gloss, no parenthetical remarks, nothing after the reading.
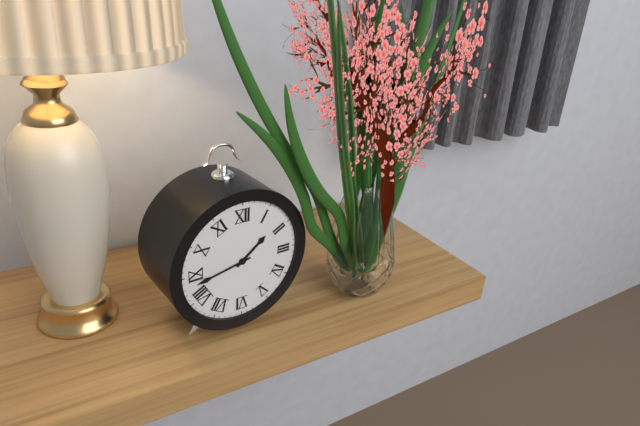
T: 1:43
